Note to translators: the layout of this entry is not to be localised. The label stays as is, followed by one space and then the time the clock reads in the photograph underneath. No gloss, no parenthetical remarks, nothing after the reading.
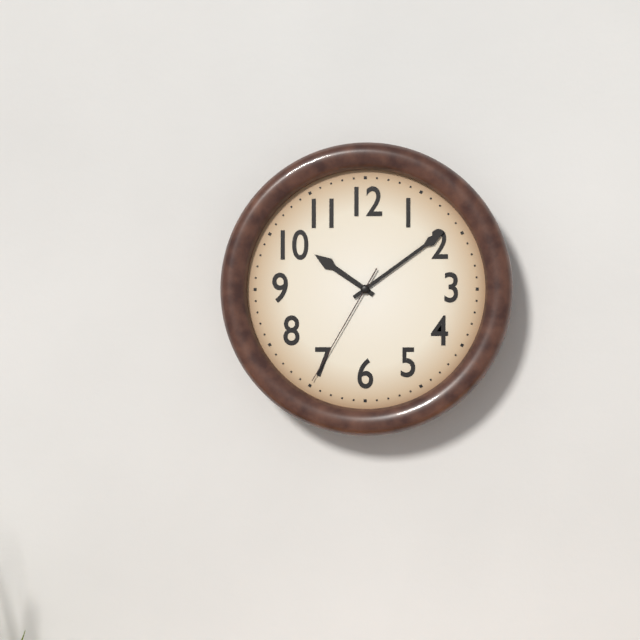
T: 10:09:35
